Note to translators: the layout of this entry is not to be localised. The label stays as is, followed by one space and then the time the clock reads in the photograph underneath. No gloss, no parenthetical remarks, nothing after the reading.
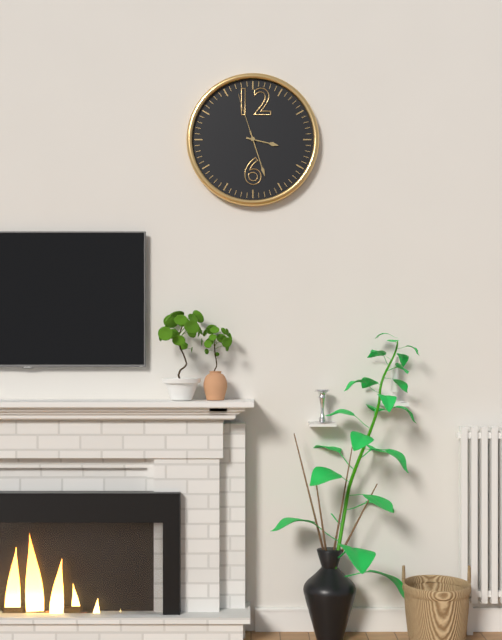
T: 3:27:57
